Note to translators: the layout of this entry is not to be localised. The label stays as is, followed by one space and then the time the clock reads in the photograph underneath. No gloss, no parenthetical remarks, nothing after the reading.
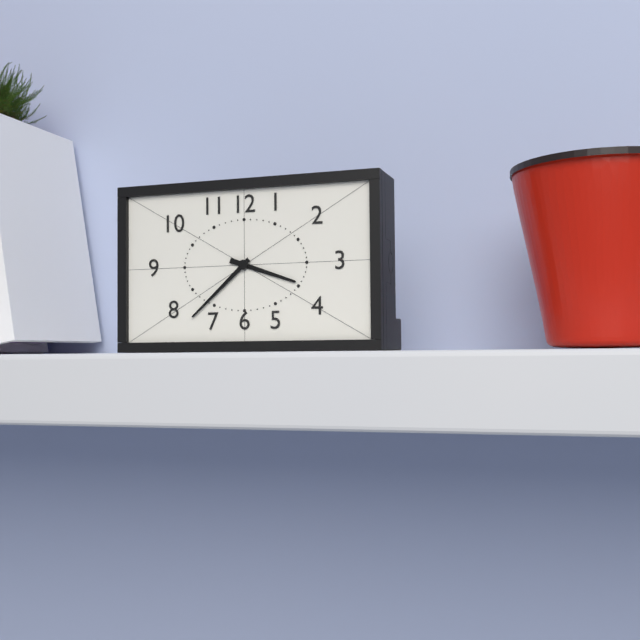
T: 3:38
